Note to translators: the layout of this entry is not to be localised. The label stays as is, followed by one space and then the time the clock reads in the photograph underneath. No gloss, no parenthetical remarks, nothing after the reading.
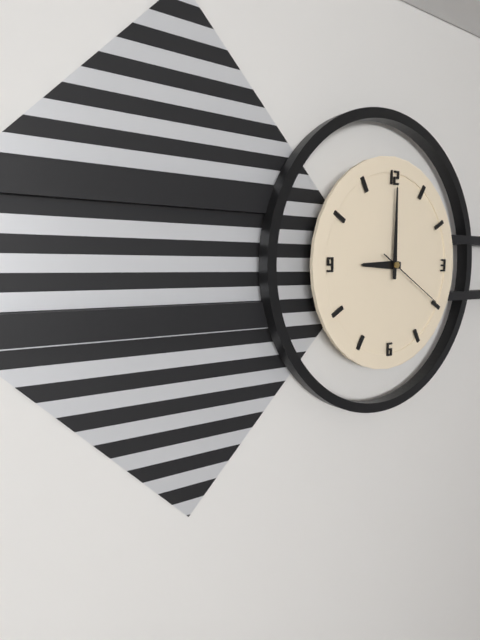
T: 9:00:20
